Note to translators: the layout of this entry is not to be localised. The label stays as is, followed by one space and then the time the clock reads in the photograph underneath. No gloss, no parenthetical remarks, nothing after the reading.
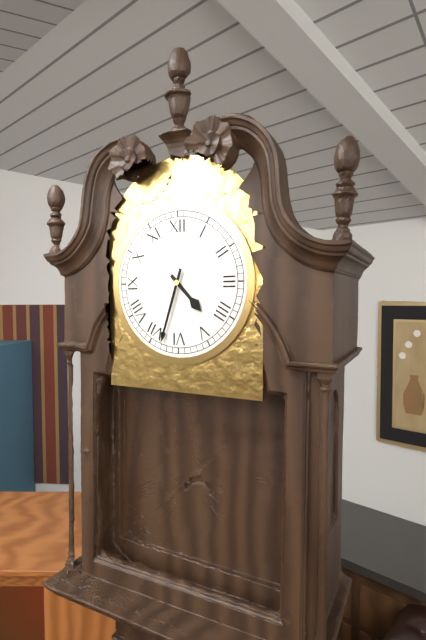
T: 4:33
